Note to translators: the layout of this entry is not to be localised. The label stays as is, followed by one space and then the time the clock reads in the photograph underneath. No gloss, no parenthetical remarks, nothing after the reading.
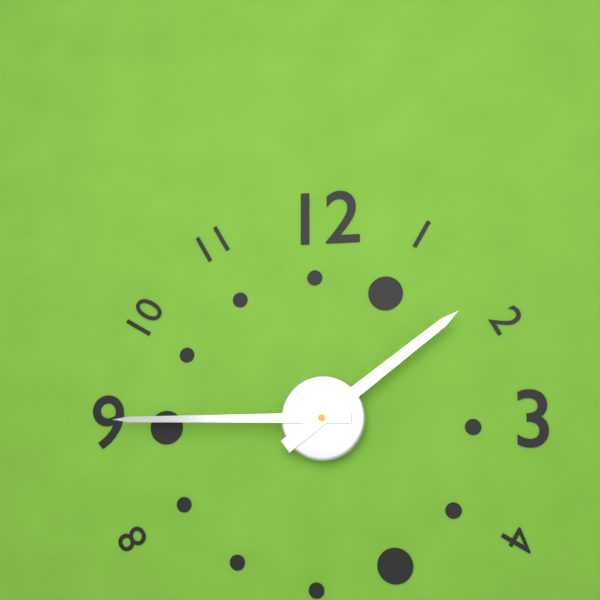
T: 1:45
